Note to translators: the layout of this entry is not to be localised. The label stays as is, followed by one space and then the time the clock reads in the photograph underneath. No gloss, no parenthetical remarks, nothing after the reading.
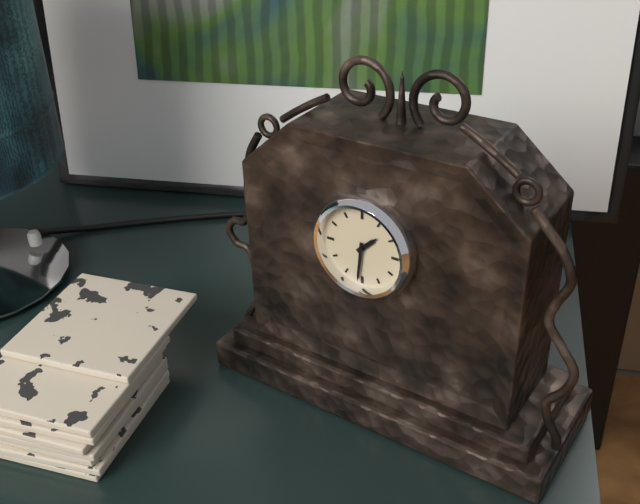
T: 1:31
